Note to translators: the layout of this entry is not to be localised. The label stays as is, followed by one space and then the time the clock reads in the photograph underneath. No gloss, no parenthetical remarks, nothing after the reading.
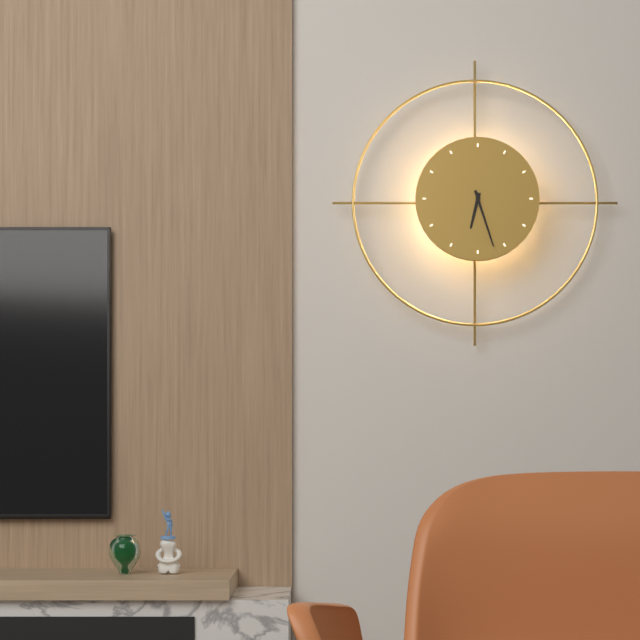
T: 6:27
